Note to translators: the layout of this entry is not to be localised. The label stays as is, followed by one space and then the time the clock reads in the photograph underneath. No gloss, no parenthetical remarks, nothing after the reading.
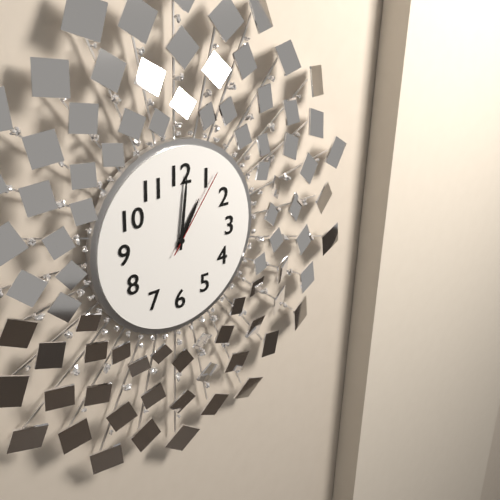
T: 1:01:06
